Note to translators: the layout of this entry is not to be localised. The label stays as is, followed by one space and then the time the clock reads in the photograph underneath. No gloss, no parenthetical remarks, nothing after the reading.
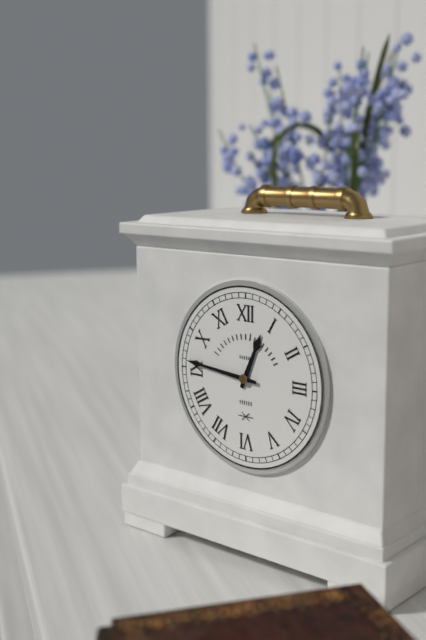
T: 12:46
